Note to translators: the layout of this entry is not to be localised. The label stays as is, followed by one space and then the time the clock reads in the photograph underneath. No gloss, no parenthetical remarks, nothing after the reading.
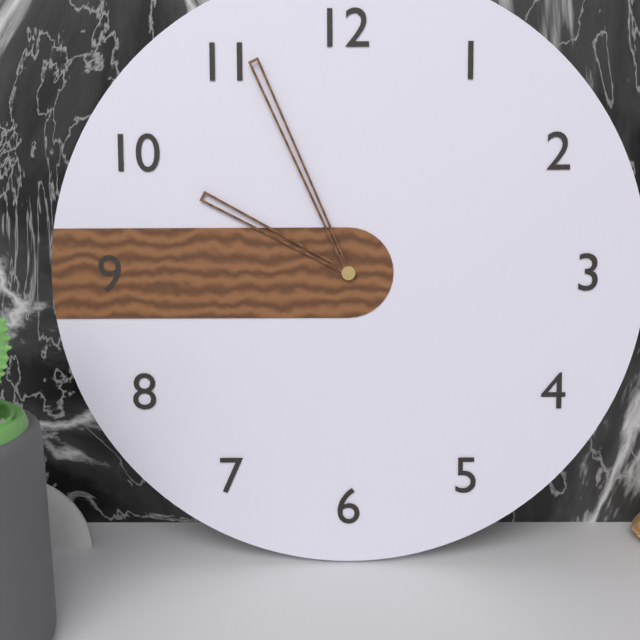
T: 9:56
